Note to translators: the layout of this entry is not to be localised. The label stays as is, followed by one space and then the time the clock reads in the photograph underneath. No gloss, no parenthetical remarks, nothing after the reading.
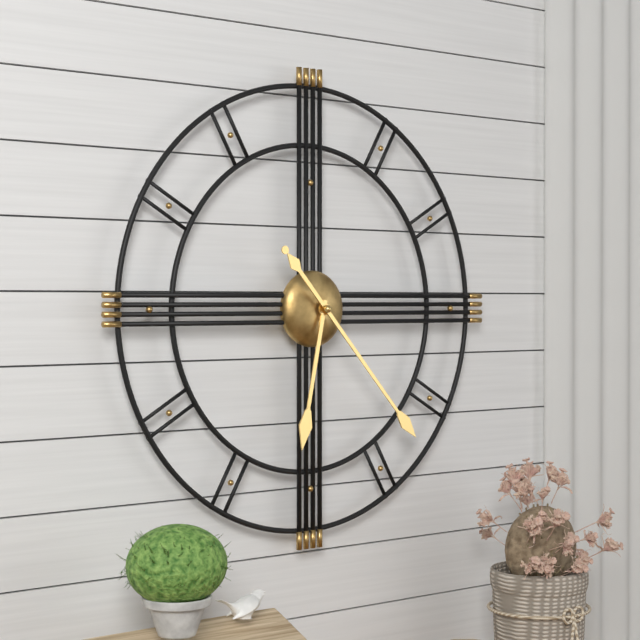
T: 6:23
